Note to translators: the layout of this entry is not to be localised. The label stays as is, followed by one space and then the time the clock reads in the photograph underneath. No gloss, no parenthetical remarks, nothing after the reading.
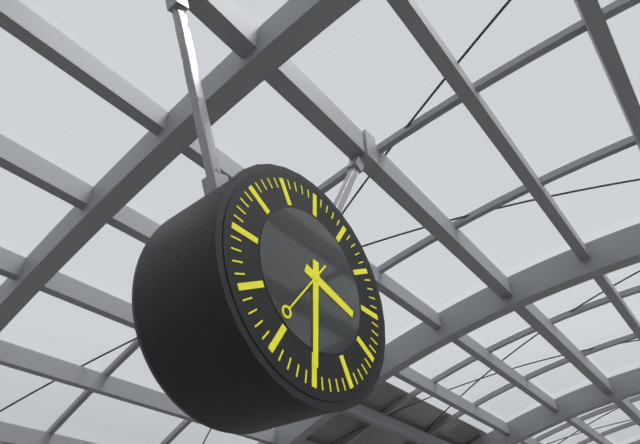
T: 3:30:36
